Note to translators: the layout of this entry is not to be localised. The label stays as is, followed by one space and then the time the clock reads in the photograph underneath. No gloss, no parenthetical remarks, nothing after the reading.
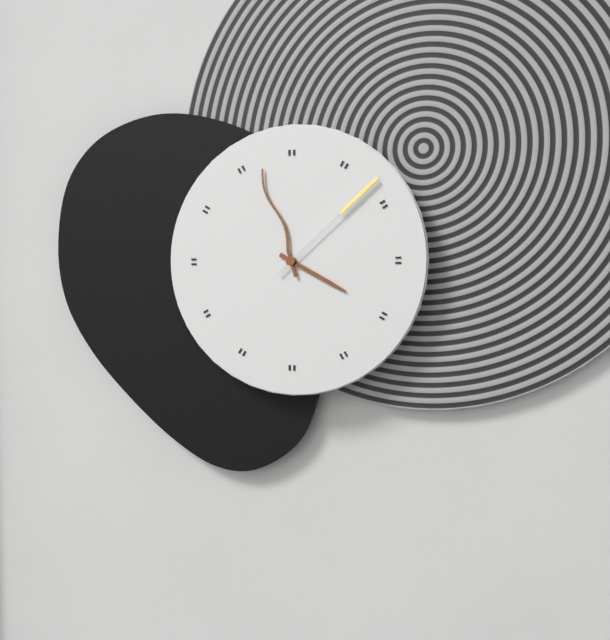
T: 3:57:08
